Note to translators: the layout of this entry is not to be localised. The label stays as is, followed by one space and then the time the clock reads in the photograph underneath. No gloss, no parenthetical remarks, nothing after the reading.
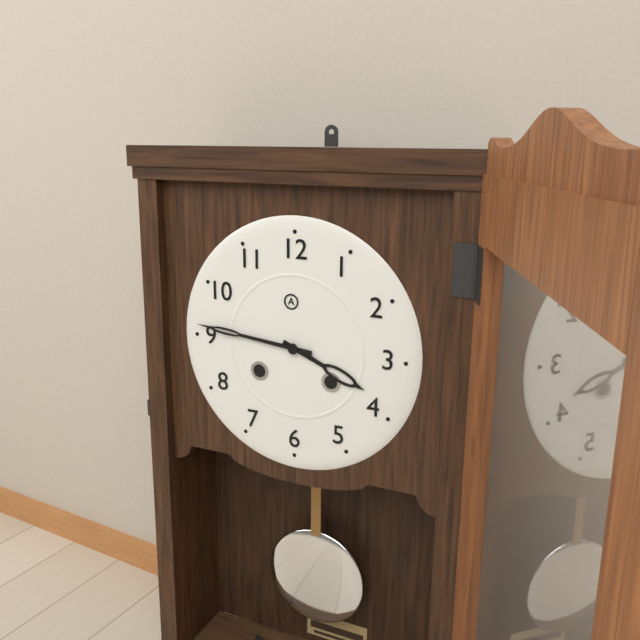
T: 3:46
